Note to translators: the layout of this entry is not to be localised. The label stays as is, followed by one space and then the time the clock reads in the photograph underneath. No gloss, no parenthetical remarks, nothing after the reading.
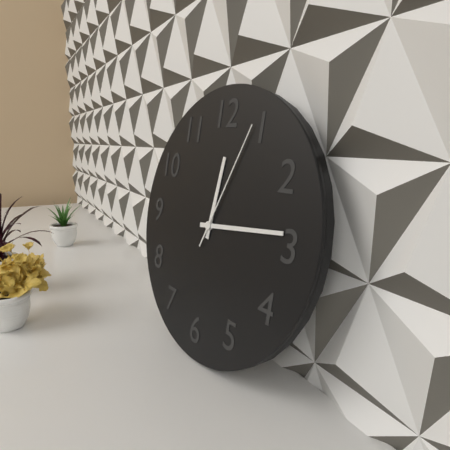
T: 12:14:04
